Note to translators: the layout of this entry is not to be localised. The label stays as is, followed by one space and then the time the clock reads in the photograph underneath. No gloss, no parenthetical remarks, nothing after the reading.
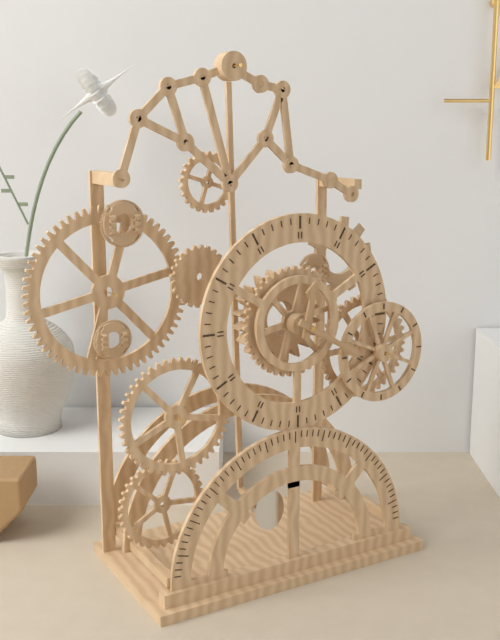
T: 12:20
